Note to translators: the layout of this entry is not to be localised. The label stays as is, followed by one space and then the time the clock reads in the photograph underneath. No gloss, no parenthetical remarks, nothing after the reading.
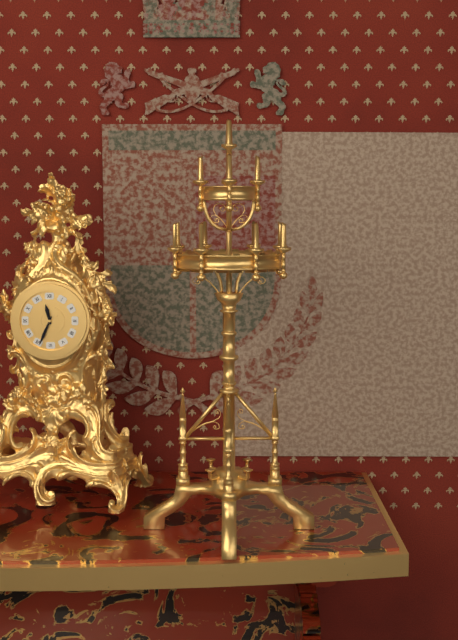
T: 11:34
